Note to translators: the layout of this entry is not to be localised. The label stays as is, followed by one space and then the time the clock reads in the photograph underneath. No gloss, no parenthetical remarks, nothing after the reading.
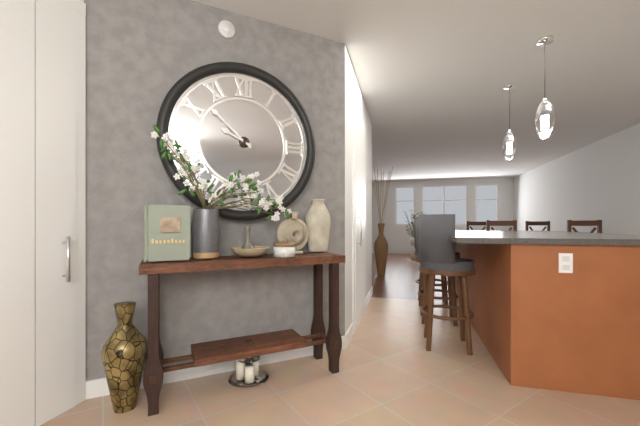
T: 9:52
